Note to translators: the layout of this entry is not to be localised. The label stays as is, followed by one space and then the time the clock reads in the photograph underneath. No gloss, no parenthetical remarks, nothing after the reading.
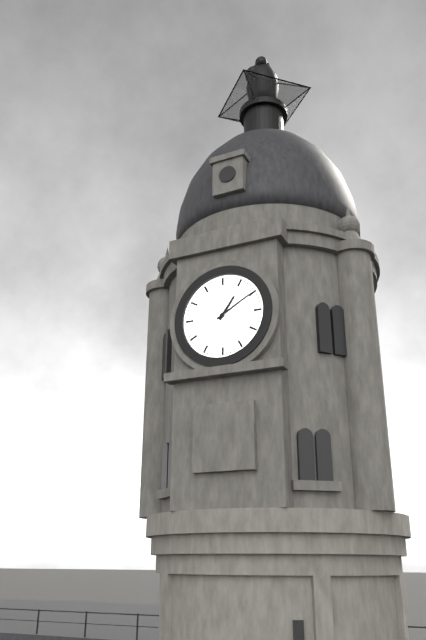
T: 1:10
